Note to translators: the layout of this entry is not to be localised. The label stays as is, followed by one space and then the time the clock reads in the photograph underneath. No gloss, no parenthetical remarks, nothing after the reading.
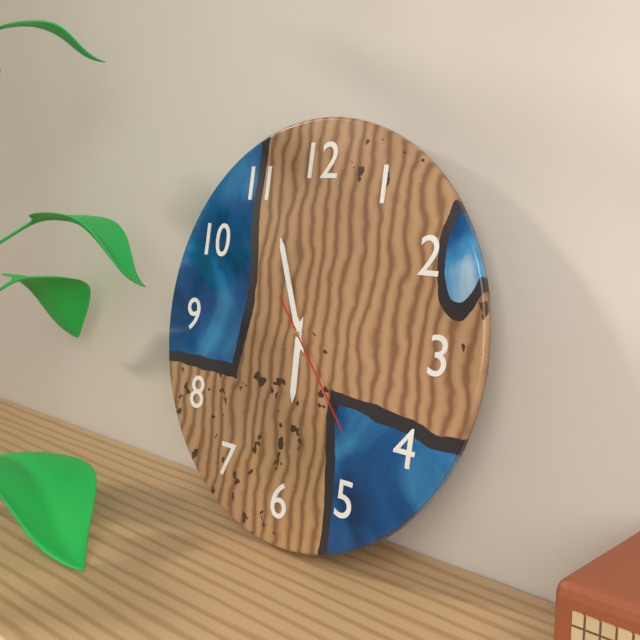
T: 5:56:23
